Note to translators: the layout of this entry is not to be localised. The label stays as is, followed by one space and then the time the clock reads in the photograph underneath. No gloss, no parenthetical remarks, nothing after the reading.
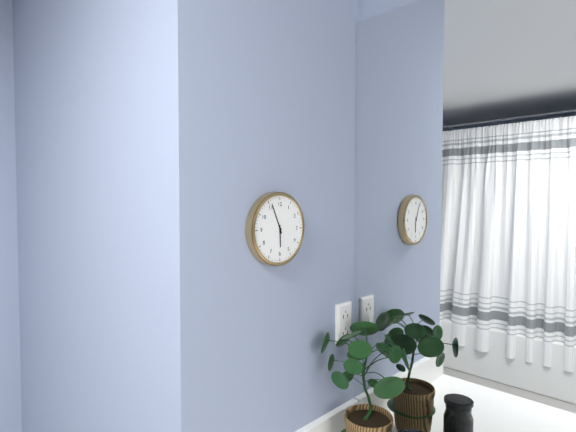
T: 5:56
